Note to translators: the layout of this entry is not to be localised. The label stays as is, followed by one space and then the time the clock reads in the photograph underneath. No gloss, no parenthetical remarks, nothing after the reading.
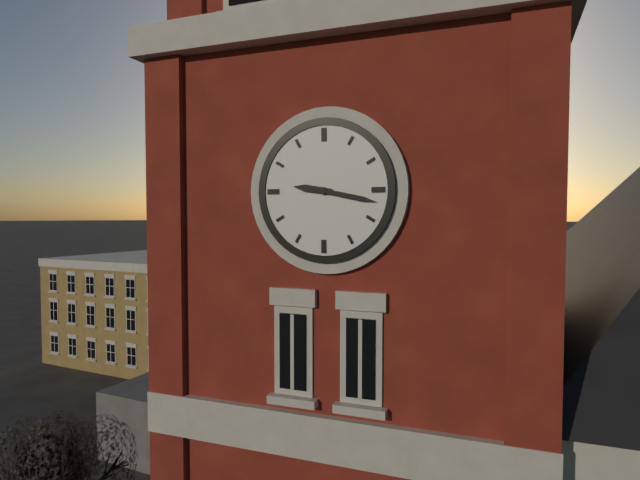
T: 9:17
